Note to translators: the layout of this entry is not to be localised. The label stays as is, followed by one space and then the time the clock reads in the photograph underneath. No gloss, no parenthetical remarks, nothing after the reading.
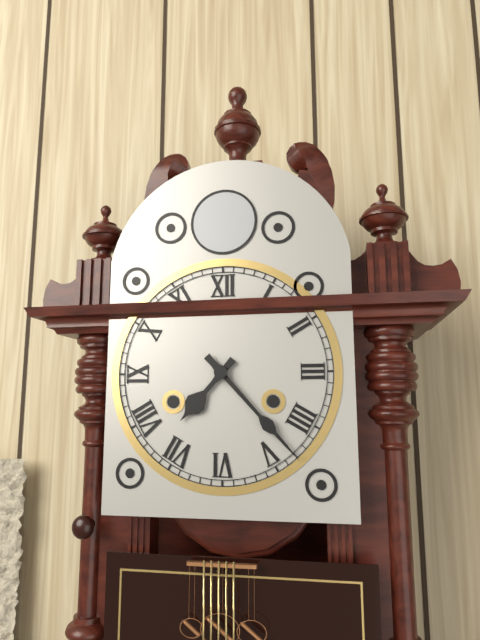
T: 7:23
